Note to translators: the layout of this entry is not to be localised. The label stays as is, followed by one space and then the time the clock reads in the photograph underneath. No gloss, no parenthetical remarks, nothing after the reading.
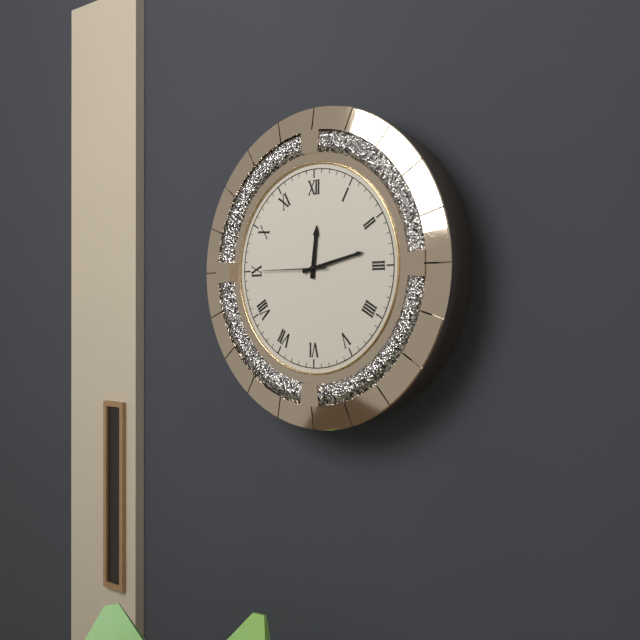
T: 12:13:45
